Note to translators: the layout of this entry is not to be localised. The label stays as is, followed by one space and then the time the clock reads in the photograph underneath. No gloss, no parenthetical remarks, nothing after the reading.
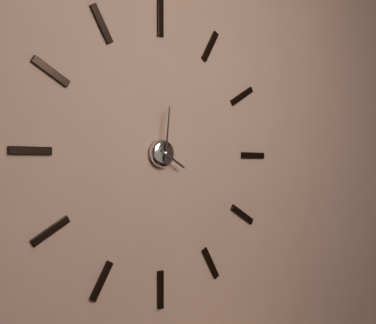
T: 4:01
